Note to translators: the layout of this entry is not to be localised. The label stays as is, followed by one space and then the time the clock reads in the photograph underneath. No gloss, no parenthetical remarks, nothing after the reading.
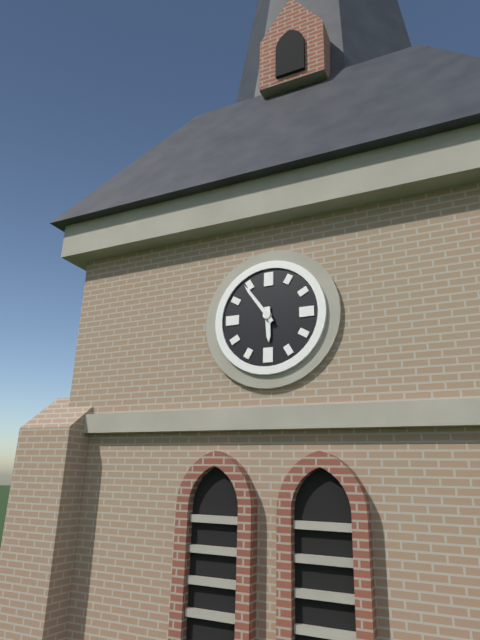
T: 5:54
